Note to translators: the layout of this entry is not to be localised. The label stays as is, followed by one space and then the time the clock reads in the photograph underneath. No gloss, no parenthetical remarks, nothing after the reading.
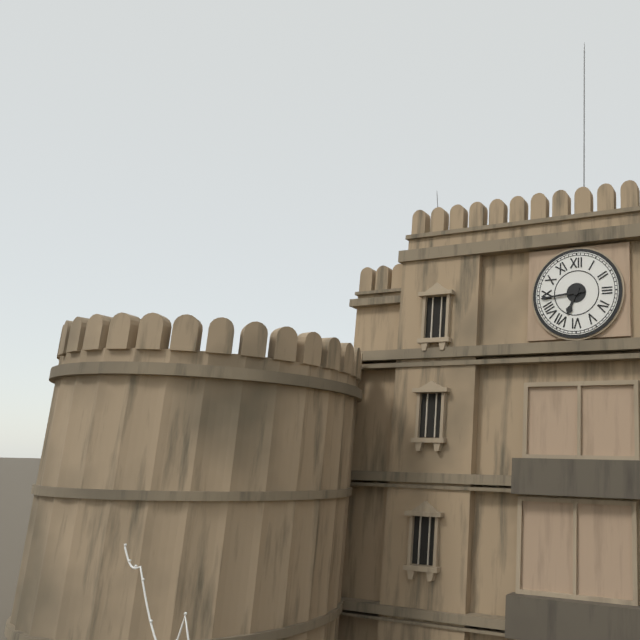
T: 6:44
